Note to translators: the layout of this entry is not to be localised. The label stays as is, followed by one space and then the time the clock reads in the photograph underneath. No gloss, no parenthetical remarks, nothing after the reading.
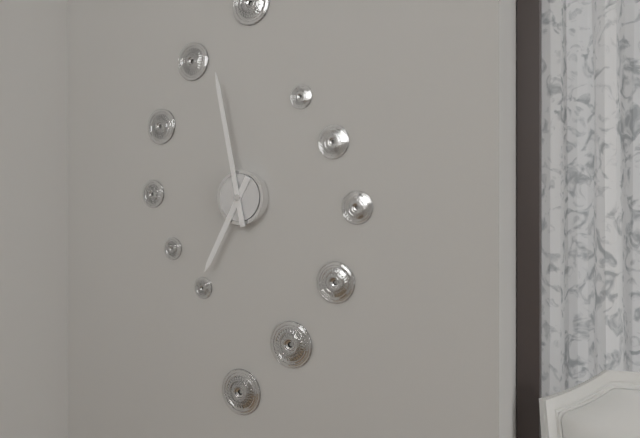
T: 6:58
